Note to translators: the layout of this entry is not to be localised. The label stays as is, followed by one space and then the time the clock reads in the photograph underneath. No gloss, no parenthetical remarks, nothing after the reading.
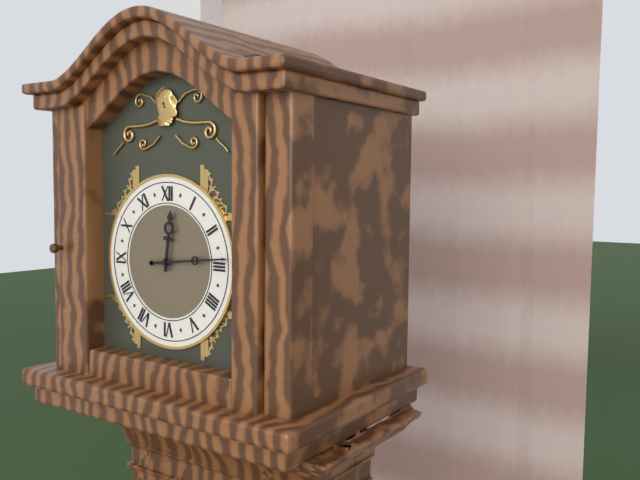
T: 12:14
